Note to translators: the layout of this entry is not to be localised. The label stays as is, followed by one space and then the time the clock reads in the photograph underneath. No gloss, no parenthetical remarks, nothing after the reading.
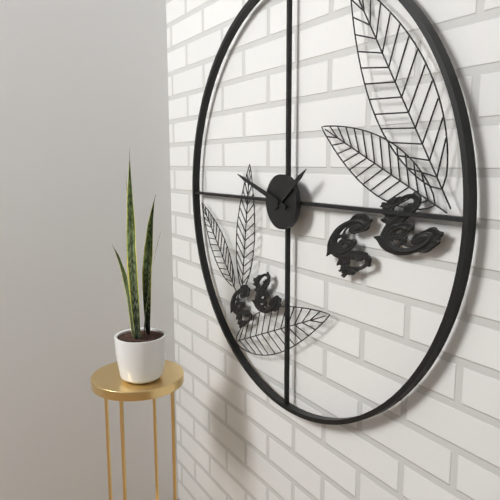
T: 1:48
